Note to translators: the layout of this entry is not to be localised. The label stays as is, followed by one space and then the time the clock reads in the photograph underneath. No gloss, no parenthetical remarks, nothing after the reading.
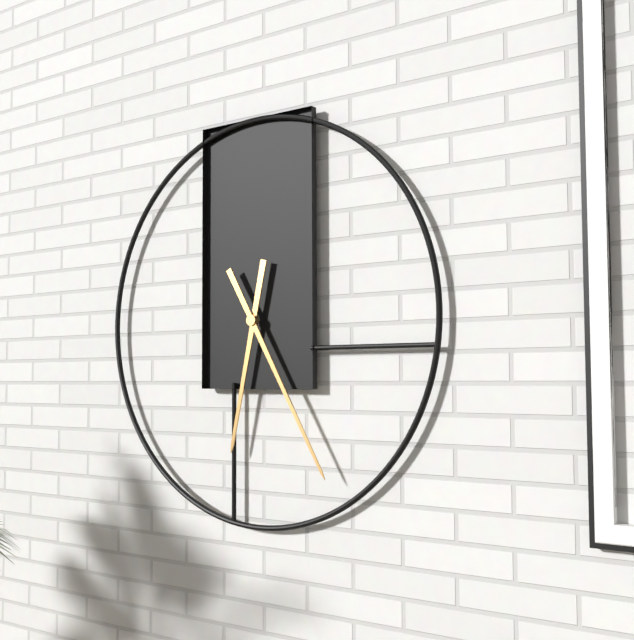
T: 6:25
